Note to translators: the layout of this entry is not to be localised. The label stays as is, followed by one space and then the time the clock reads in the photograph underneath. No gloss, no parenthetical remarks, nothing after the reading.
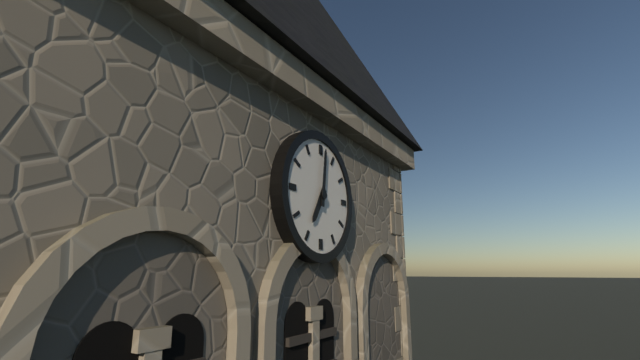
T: 7:01
